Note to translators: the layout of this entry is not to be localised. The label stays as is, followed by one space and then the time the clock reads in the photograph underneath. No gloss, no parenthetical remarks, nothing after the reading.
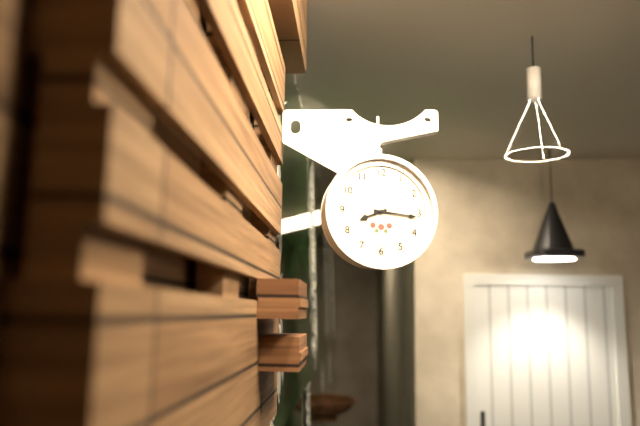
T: 8:16
